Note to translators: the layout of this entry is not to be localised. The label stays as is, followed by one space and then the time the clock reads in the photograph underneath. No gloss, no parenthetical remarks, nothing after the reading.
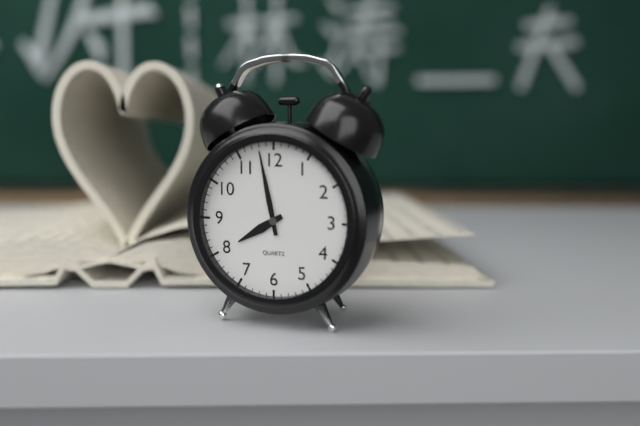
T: 7:58
